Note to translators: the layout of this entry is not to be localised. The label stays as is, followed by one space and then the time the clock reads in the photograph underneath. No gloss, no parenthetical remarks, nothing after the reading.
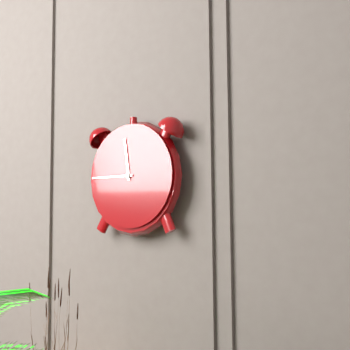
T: 11:45
